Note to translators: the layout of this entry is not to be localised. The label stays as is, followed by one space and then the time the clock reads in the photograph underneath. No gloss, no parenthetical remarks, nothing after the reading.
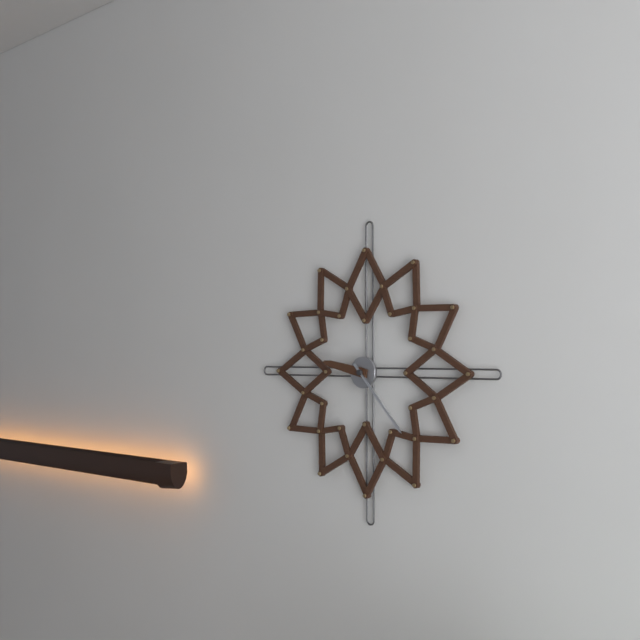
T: 9:23
